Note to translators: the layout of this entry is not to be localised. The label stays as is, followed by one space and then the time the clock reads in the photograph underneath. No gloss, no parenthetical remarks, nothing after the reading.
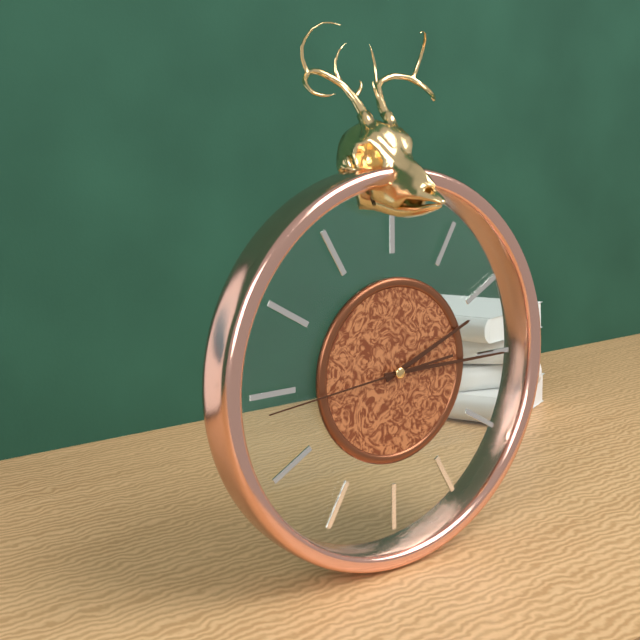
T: 2:15:44
